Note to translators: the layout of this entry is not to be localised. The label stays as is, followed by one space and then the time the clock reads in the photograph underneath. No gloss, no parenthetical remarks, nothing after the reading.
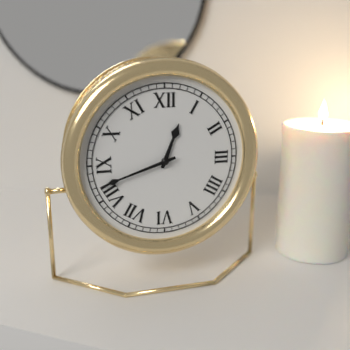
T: 12:42
